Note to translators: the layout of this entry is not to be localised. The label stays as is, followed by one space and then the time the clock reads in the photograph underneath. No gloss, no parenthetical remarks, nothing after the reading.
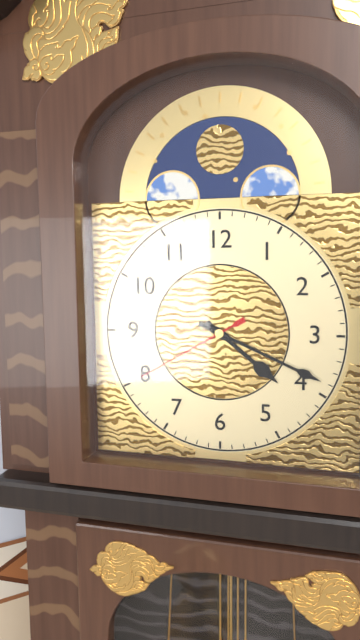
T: 4:19:40
